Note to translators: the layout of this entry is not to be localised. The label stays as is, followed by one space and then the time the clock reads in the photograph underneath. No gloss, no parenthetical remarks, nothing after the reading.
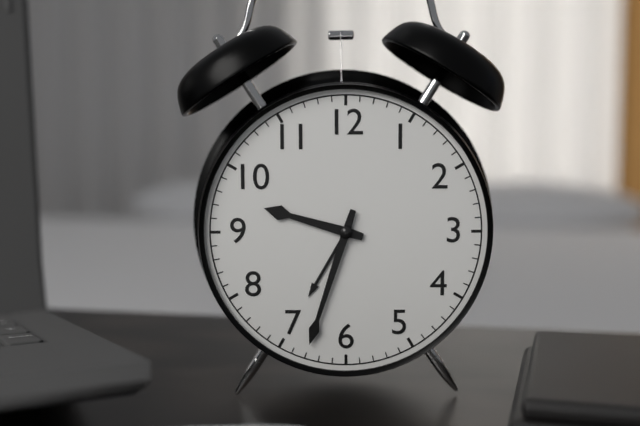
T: 9:33
